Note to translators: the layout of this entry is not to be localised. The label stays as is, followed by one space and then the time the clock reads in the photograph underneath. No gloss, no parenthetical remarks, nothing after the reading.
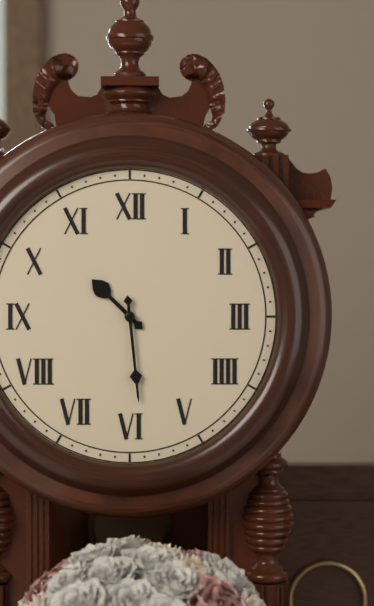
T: 10:29
